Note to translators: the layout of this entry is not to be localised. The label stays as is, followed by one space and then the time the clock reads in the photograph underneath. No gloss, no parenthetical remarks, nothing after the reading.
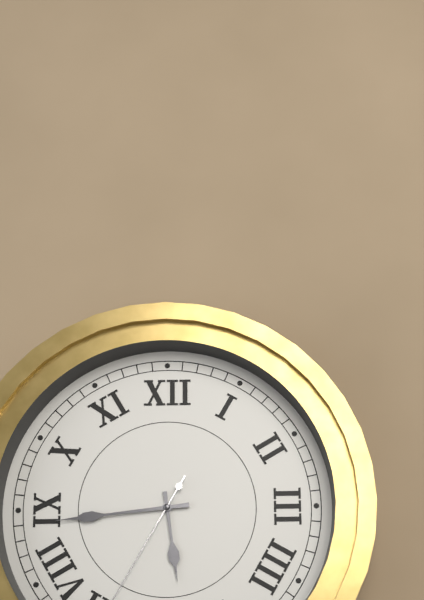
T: 5:44
